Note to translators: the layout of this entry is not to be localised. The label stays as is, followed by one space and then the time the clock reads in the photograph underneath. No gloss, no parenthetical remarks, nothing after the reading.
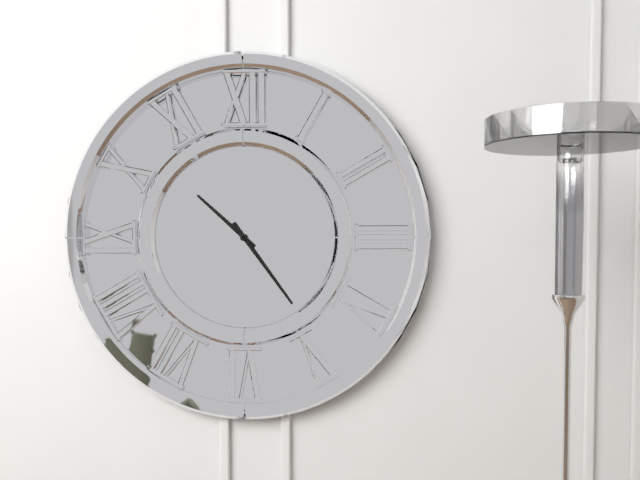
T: 10:24
